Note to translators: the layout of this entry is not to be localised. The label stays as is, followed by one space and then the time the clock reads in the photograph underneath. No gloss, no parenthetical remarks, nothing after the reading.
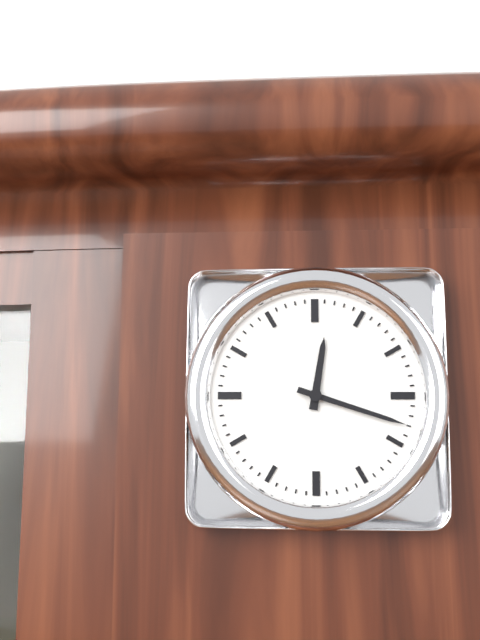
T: 12:18
